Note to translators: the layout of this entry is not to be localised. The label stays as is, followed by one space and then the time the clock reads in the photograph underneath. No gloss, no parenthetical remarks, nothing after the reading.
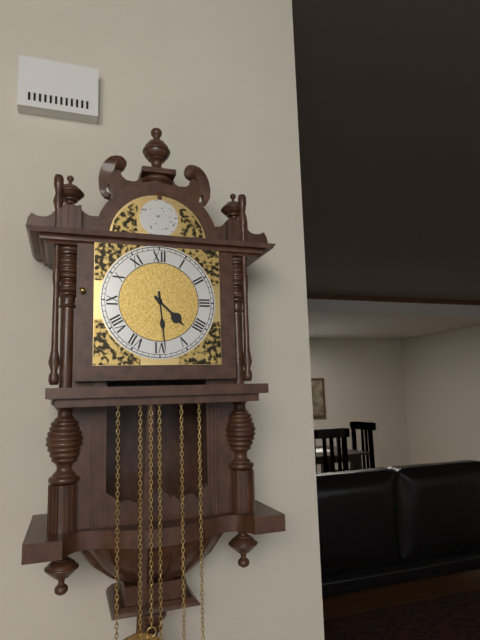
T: 4:29
